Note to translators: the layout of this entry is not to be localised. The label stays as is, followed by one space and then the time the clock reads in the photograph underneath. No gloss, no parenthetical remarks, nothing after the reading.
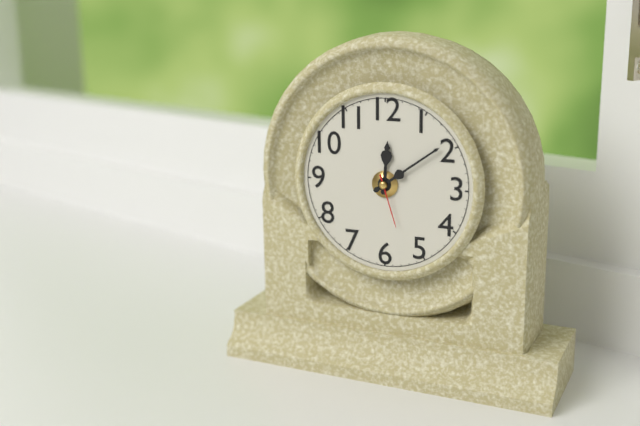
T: 12:09:27
